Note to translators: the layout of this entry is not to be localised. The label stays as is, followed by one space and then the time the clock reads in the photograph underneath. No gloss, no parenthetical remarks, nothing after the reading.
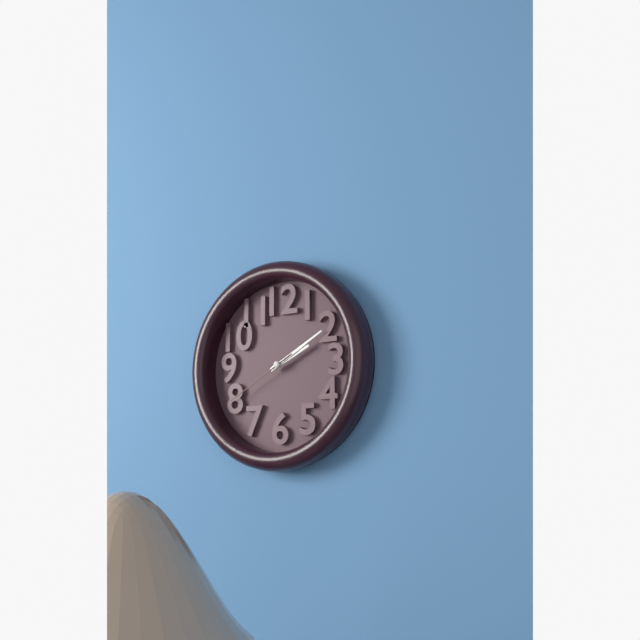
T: 2:10:40
